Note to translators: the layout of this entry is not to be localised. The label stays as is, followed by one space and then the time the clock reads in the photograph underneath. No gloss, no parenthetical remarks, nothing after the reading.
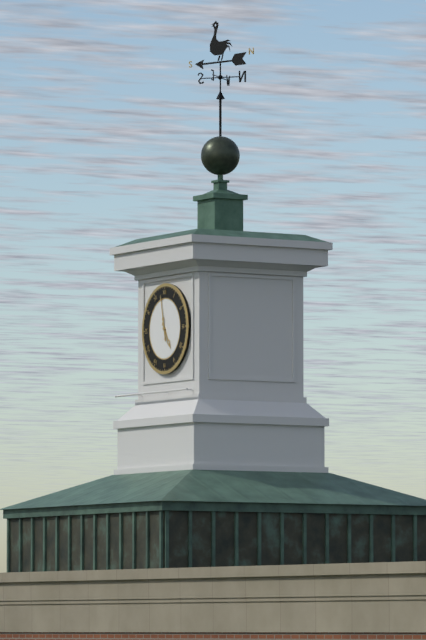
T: 4:58
